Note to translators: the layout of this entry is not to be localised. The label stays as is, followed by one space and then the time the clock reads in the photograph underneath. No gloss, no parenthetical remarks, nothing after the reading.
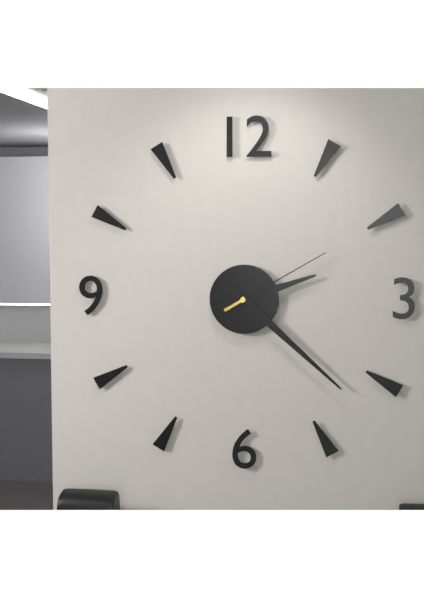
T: 2:22:10
